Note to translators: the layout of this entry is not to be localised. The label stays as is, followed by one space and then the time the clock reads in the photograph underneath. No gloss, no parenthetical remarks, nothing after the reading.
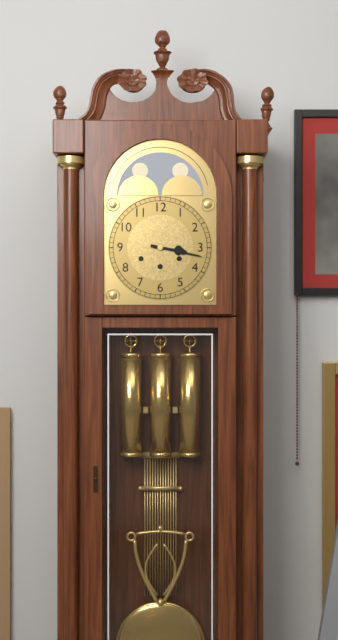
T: 3:17
